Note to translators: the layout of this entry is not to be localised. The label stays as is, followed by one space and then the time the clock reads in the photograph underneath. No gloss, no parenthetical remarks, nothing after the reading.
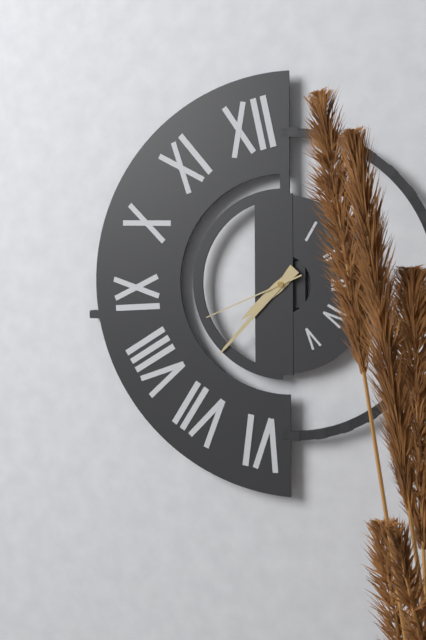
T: 7:37:41
